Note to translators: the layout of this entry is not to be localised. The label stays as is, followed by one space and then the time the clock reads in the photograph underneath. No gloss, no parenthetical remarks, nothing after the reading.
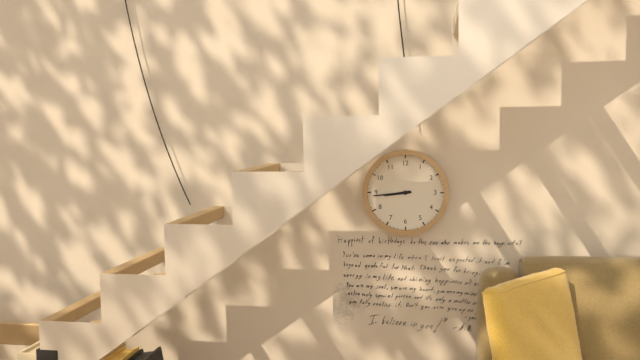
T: 8:44
